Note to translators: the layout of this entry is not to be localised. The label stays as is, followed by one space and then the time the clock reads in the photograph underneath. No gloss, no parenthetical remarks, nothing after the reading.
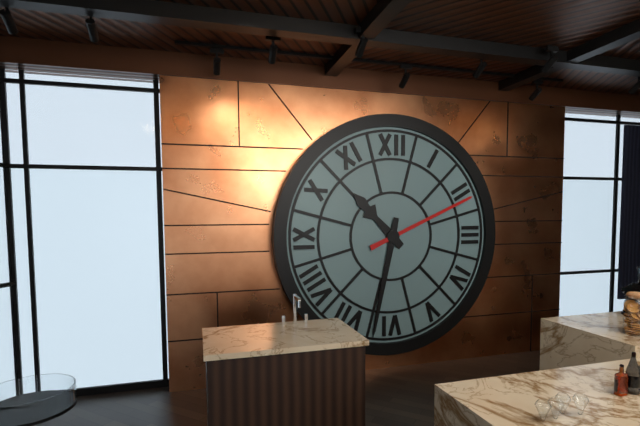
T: 10:32:11
